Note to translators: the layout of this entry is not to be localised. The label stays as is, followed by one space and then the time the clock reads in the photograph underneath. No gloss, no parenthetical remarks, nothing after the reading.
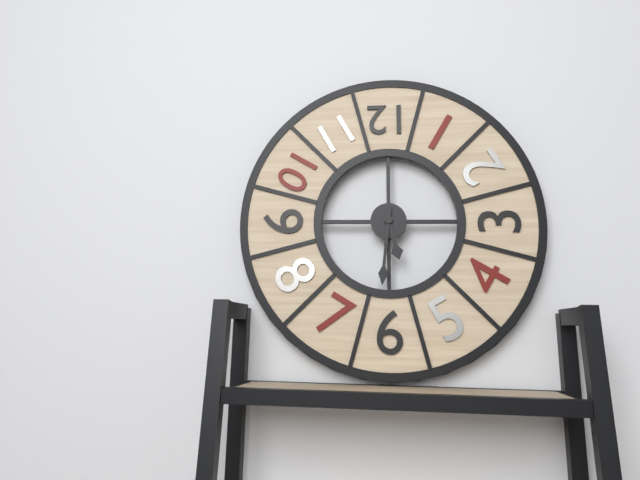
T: 5:31
